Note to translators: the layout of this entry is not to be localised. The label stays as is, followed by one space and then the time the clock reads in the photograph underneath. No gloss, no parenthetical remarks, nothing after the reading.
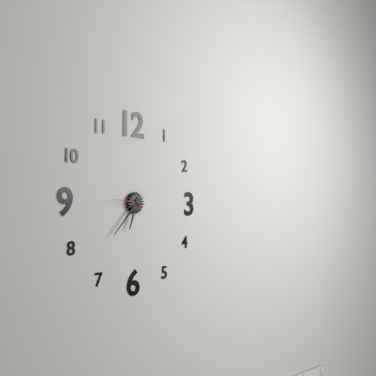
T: 6:37
